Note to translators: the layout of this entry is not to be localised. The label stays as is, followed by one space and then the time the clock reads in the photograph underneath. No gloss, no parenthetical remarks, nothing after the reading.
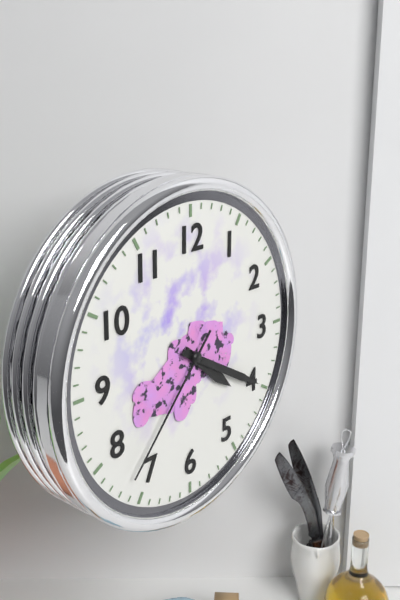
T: 4:20:37
